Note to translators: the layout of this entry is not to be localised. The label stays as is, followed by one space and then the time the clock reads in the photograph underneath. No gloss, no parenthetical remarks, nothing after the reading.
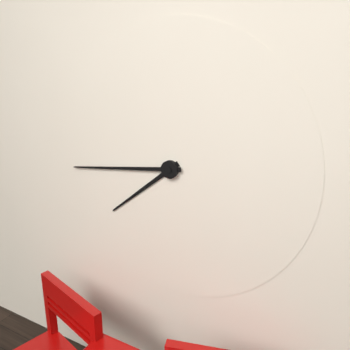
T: 7:44
